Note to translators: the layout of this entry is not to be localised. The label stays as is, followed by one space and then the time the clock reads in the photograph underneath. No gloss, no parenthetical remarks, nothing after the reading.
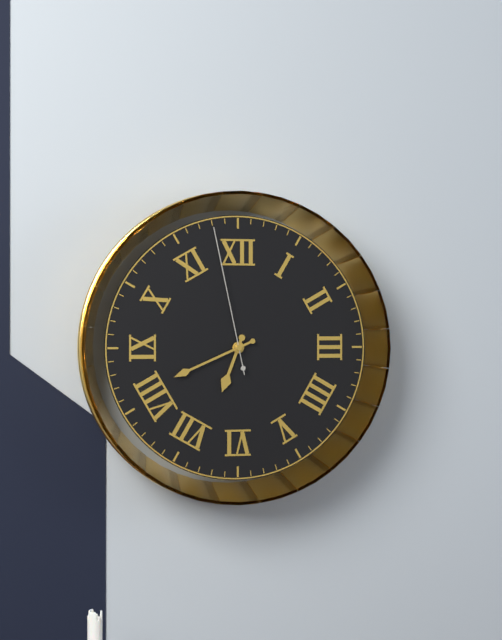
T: 6:41:58
